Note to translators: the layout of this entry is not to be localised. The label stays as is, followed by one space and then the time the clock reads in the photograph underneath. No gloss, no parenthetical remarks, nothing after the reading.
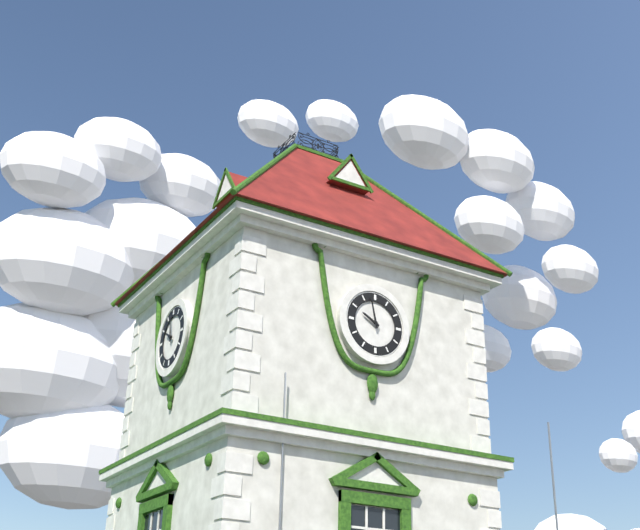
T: 9:58
